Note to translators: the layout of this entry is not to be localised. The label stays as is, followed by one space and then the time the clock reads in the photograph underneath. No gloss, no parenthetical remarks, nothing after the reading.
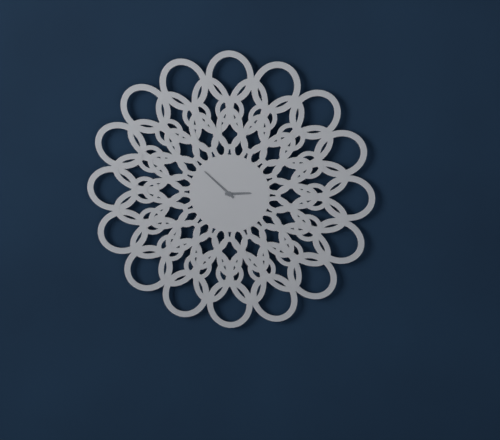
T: 2:52
